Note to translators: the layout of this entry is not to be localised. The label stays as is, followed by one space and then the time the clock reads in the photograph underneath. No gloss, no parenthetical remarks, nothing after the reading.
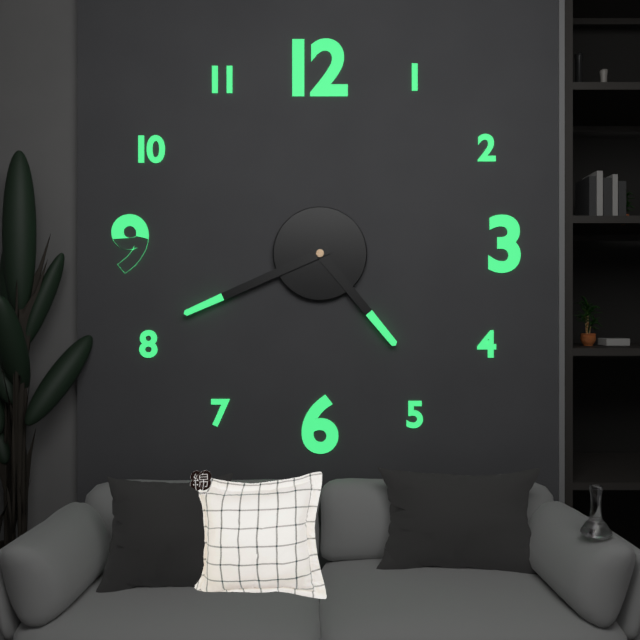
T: 4:41
